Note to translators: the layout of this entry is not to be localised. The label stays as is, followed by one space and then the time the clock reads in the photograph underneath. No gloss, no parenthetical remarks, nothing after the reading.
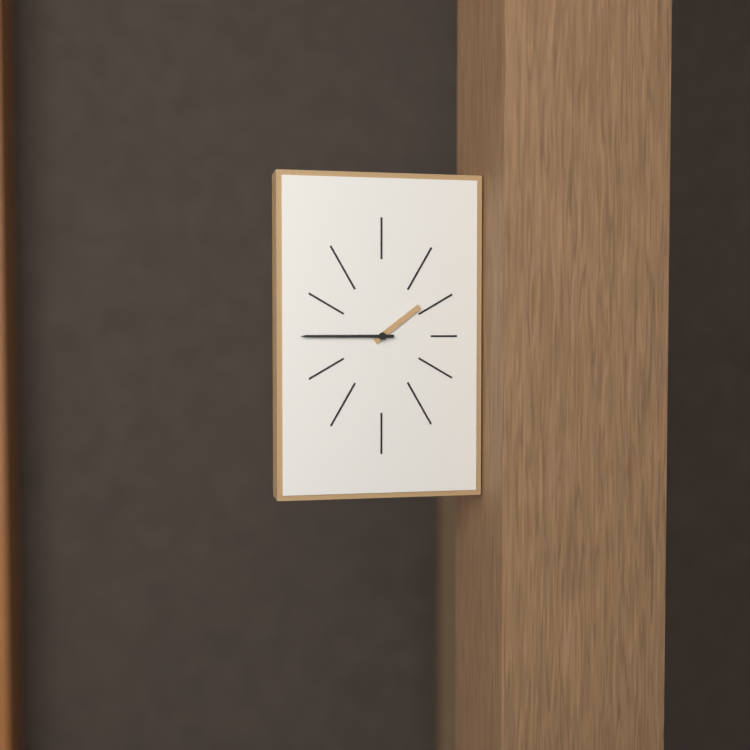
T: 1:45
